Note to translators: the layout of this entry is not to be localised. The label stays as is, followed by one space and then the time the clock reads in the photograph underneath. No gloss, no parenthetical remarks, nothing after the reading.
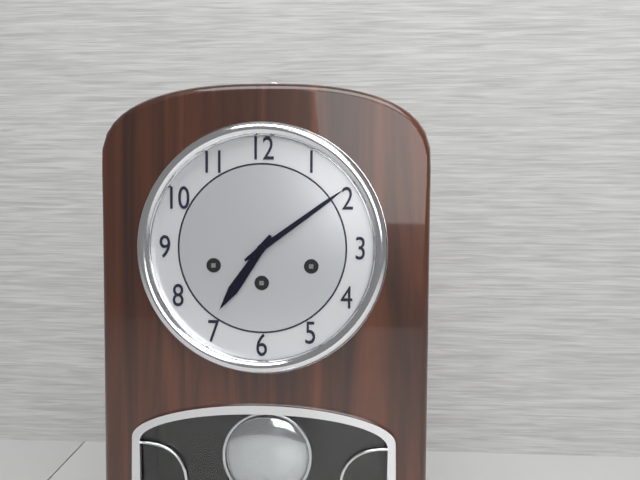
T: 7:09
